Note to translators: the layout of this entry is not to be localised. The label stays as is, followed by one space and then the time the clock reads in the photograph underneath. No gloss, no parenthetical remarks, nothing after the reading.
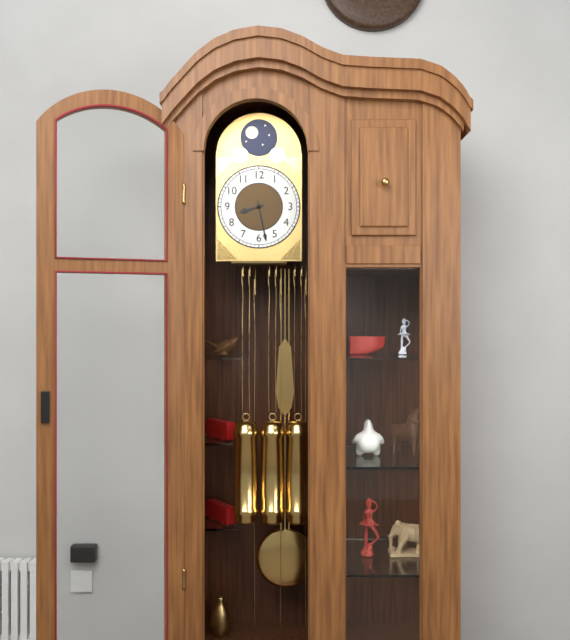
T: 8:28
